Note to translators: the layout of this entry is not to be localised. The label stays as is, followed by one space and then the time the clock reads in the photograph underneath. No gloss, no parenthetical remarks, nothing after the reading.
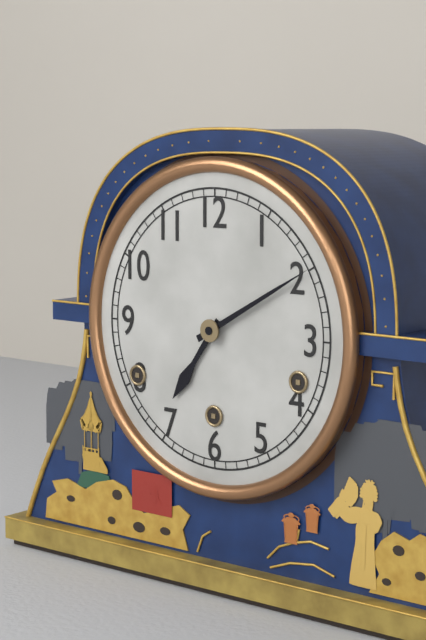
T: 7:10
